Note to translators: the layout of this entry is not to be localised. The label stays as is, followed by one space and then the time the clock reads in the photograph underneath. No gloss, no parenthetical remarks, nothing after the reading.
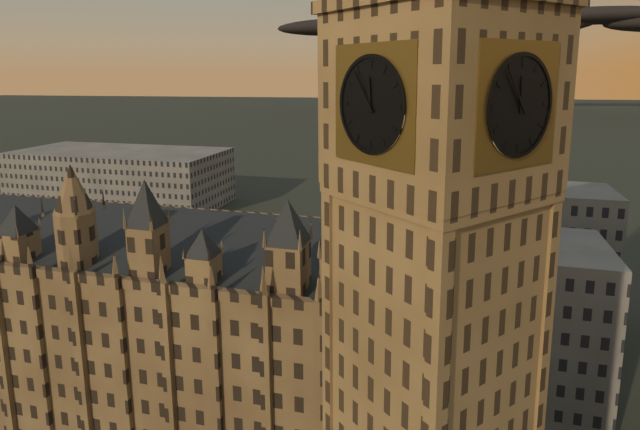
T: 11:54
